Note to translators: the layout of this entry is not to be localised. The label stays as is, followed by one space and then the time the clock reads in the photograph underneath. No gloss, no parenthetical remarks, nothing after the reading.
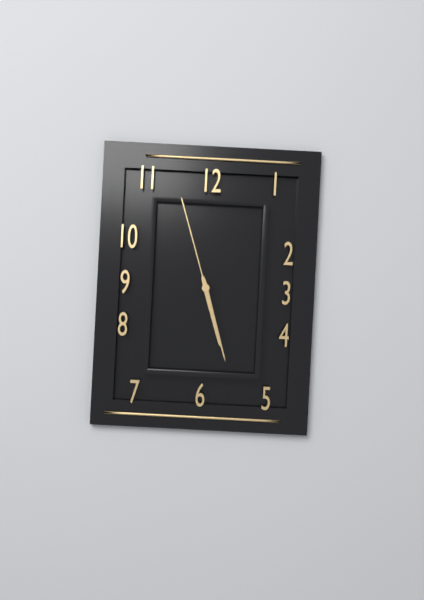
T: 5:27:57
